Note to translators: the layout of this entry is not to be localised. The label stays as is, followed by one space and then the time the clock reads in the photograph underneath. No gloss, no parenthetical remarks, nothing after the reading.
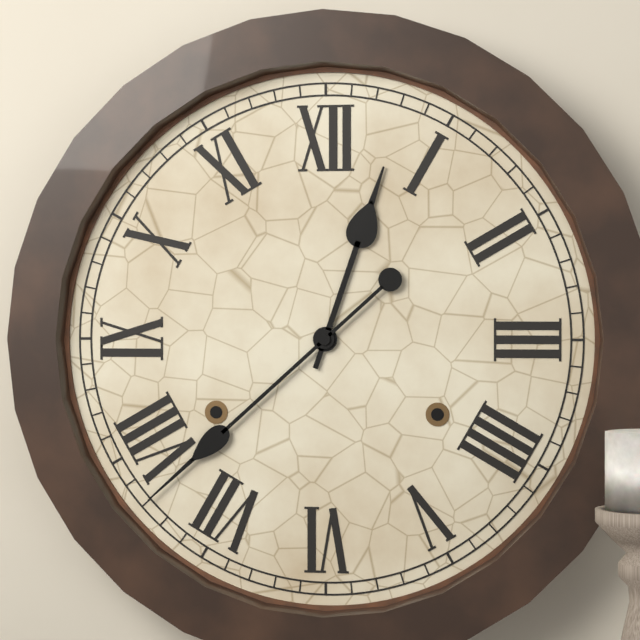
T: 12:38
